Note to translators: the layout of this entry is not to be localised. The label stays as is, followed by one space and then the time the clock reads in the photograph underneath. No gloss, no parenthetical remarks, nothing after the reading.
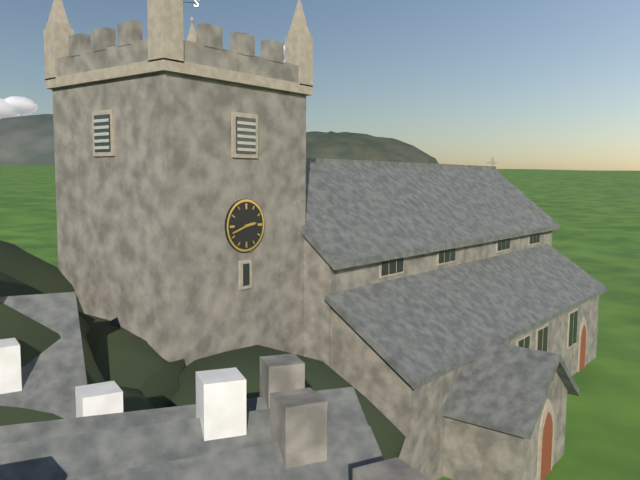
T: 2:42
